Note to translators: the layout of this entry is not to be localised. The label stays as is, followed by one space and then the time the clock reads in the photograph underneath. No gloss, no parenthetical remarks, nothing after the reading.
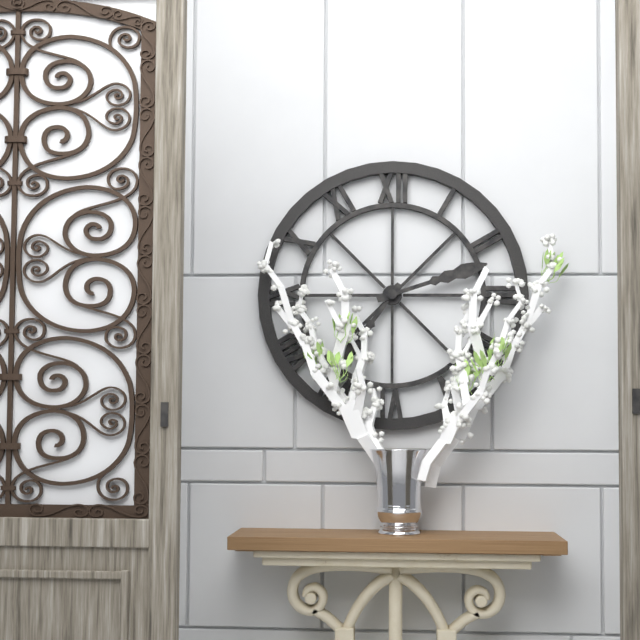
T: 7:12
